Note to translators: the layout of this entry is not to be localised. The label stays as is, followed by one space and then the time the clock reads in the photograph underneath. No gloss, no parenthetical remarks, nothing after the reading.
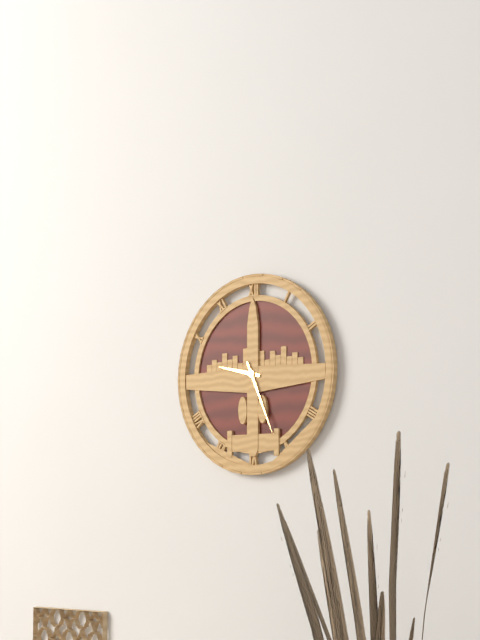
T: 9:26
